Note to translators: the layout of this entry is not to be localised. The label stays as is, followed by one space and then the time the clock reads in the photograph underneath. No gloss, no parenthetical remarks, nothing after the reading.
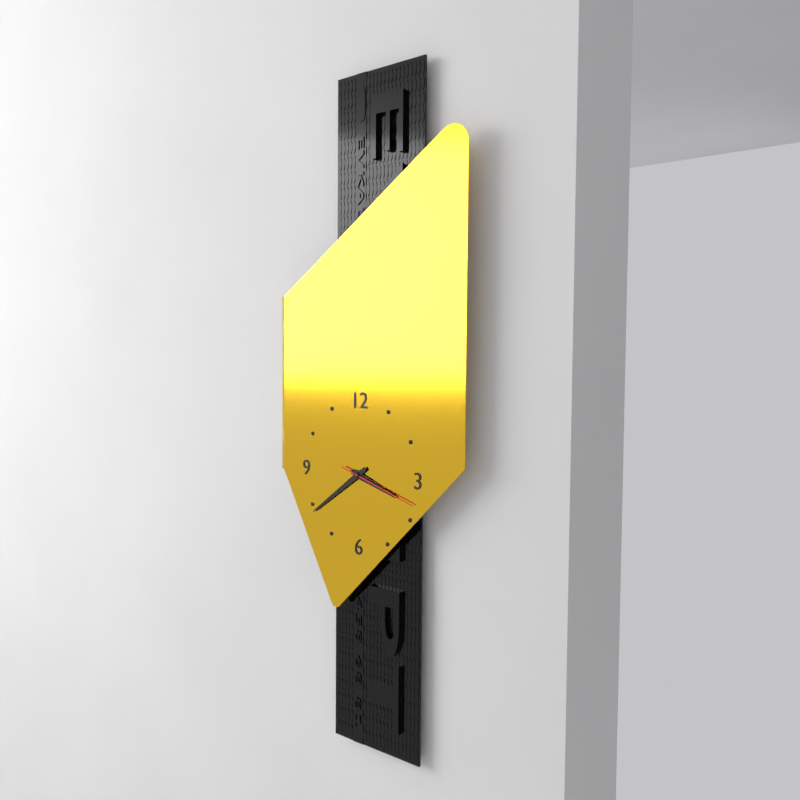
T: 3:39:18
